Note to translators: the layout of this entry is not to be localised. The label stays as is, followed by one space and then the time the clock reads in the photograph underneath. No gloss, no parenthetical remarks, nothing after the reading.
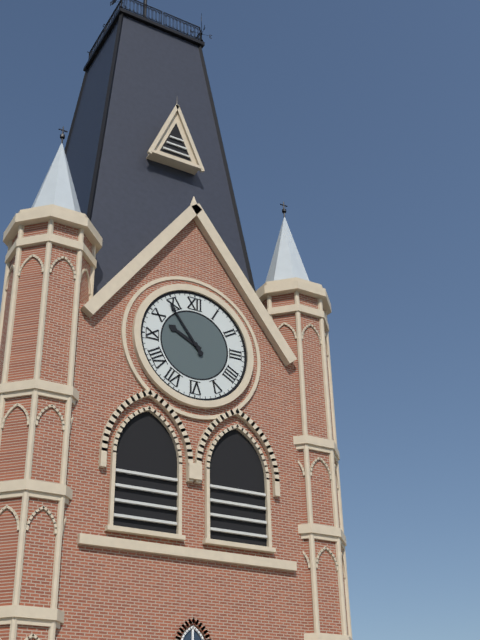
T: 9:54
